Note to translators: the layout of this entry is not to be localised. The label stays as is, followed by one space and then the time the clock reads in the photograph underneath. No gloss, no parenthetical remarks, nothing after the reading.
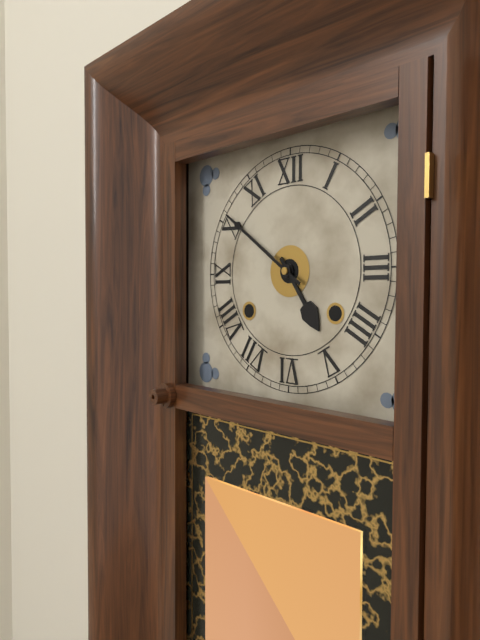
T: 4:51
